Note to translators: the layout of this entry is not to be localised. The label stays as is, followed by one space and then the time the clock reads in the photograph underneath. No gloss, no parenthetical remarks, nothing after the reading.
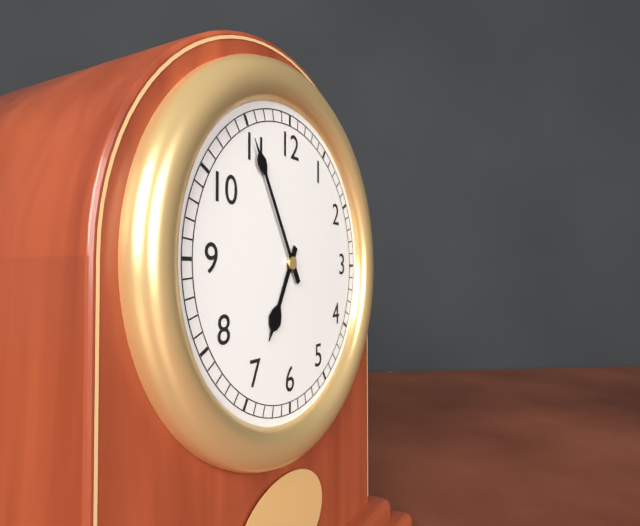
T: 6:55
